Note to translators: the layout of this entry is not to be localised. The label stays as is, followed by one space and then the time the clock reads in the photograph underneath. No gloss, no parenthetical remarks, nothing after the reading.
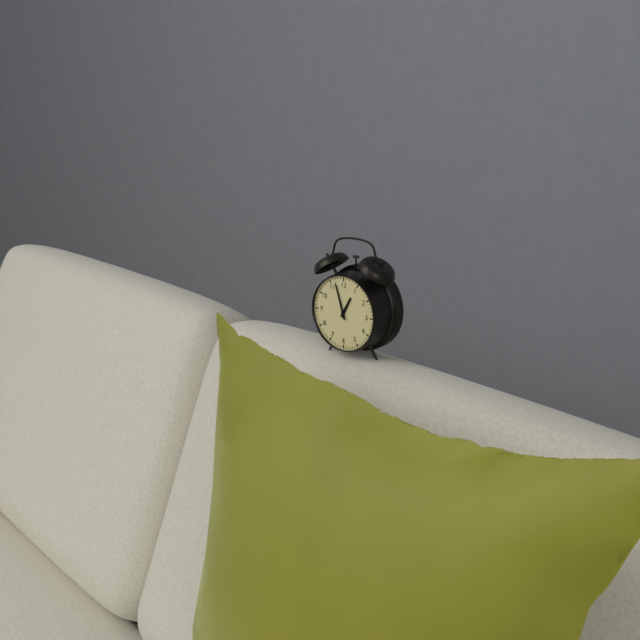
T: 12:57
